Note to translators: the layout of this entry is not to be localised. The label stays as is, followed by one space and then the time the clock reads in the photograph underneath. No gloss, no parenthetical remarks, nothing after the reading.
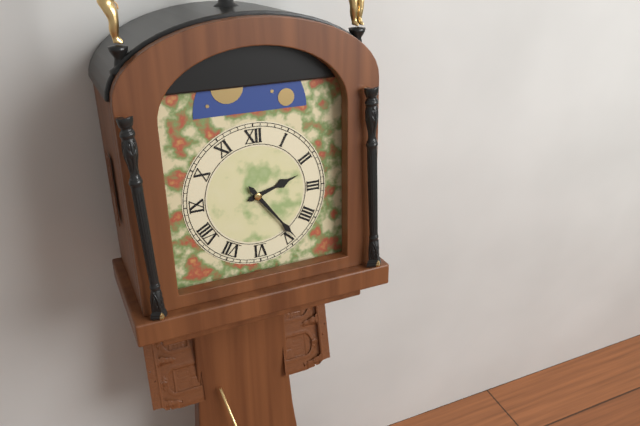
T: 2:24
